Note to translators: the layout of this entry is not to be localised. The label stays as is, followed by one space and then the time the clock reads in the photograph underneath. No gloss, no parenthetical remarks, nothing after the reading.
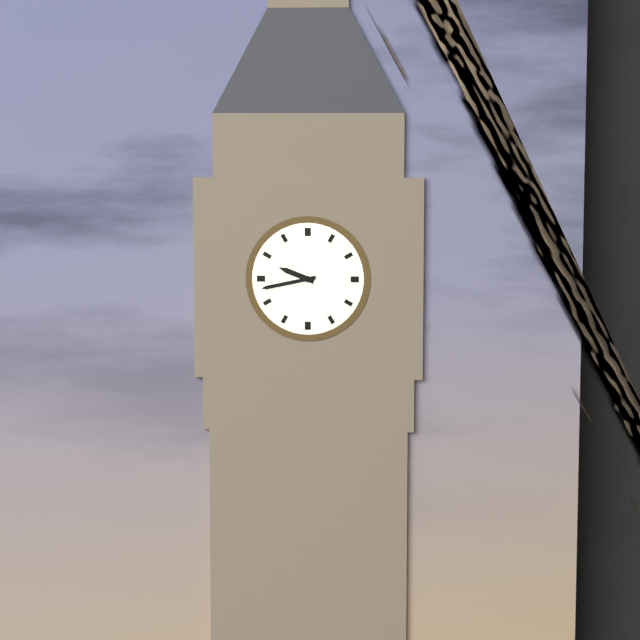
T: 9:43
